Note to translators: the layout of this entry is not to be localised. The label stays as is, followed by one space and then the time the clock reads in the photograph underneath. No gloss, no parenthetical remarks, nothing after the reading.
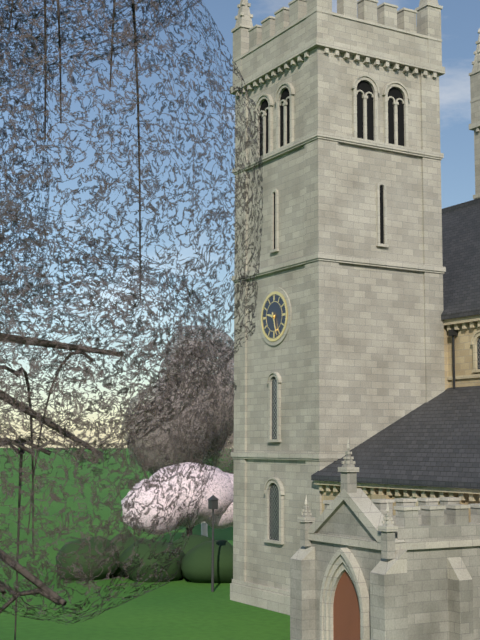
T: 9:27
